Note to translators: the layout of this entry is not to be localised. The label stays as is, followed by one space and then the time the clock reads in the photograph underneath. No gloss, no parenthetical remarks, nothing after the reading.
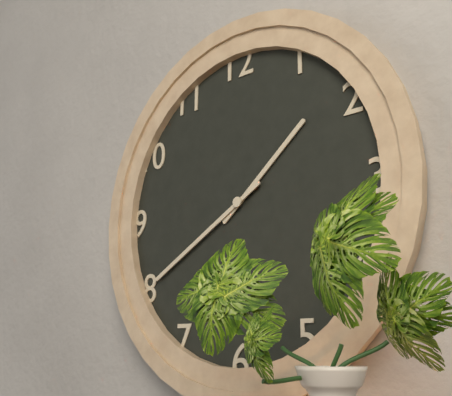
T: 1:40
